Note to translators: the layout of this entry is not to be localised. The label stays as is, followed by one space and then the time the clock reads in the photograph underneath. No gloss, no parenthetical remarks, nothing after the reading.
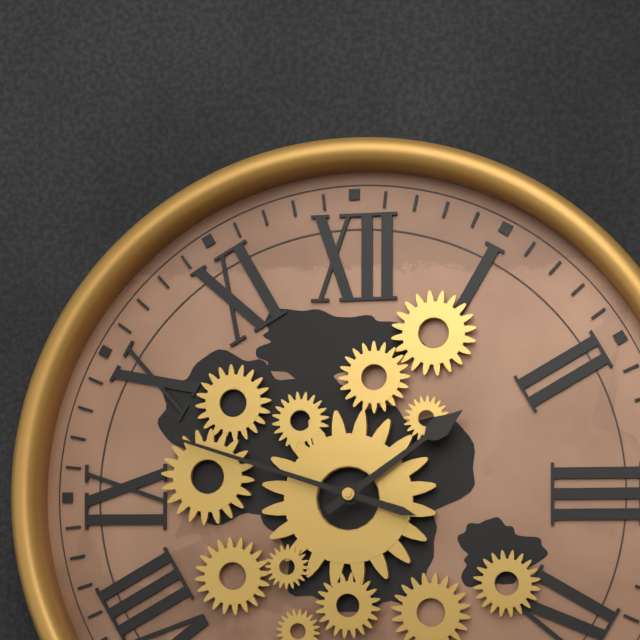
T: 1:48
